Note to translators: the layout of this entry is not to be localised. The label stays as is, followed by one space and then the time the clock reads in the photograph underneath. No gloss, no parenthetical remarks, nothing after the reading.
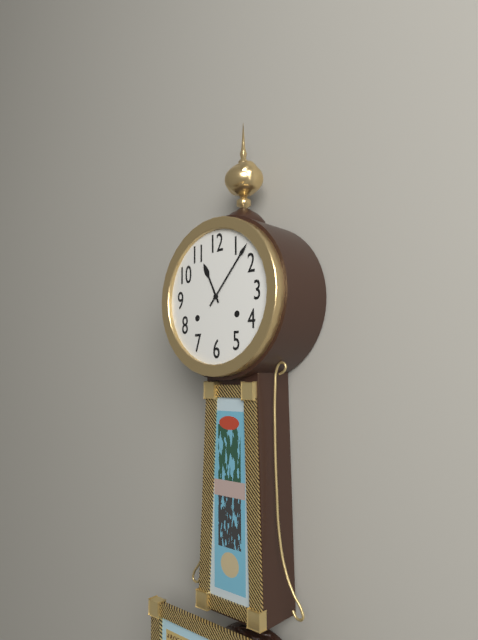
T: 11:07
